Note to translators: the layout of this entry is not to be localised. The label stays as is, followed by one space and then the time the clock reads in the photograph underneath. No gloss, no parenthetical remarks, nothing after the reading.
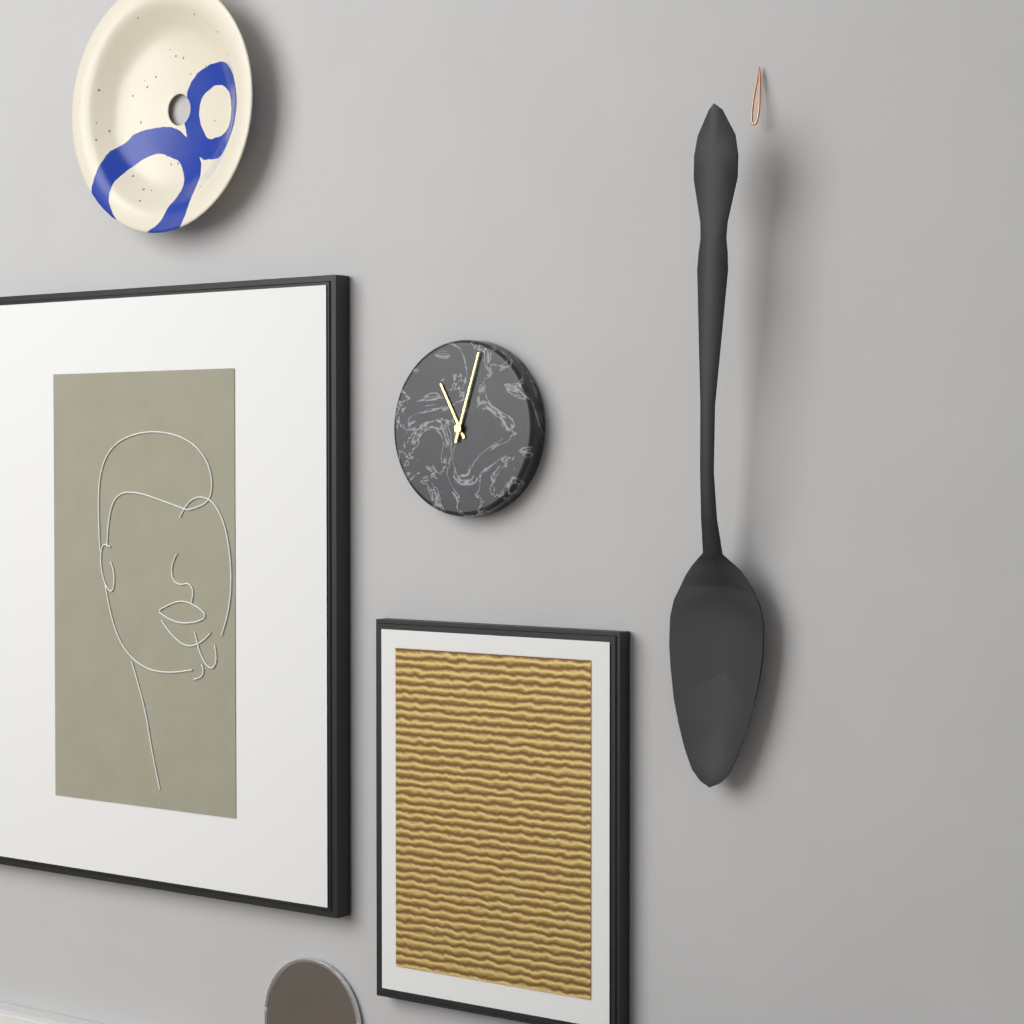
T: 11:03
